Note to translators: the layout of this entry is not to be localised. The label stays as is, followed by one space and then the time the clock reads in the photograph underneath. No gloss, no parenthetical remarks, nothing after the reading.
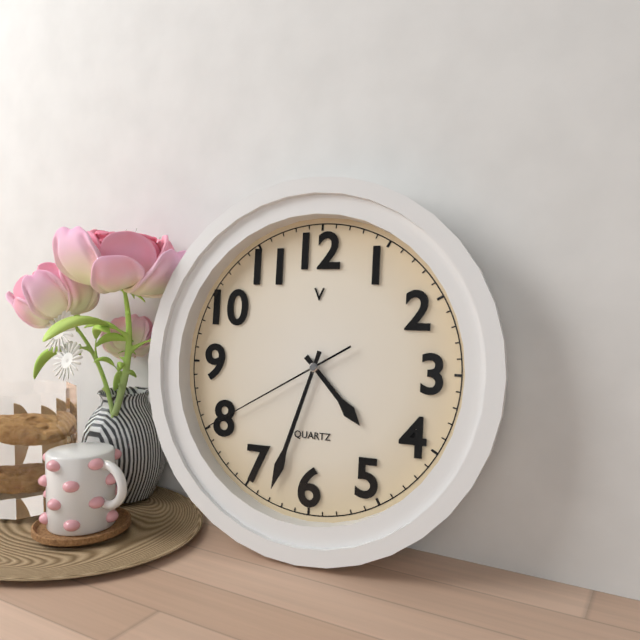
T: 4:33:40
